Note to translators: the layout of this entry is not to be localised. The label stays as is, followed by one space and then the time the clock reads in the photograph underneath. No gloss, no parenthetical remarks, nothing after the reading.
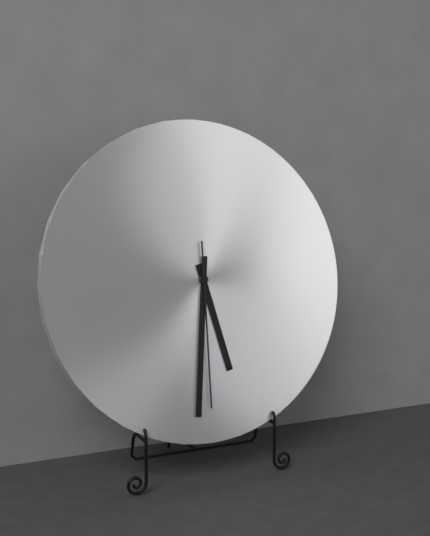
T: 5:31:30
